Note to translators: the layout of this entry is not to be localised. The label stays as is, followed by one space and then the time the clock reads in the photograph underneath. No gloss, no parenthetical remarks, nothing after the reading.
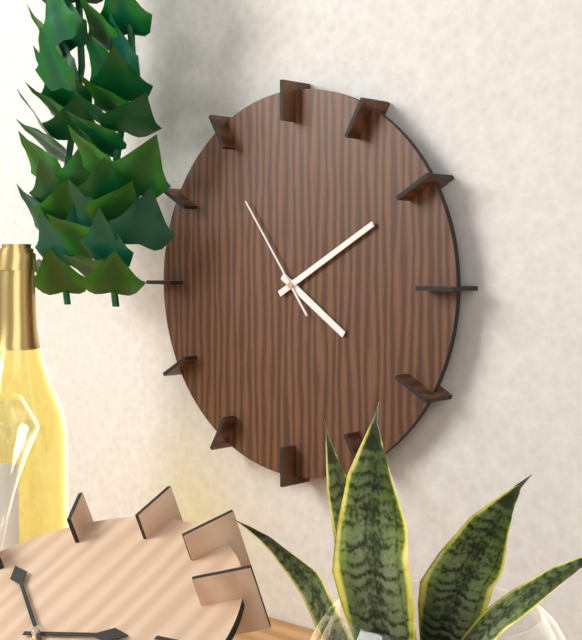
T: 4:10:54
